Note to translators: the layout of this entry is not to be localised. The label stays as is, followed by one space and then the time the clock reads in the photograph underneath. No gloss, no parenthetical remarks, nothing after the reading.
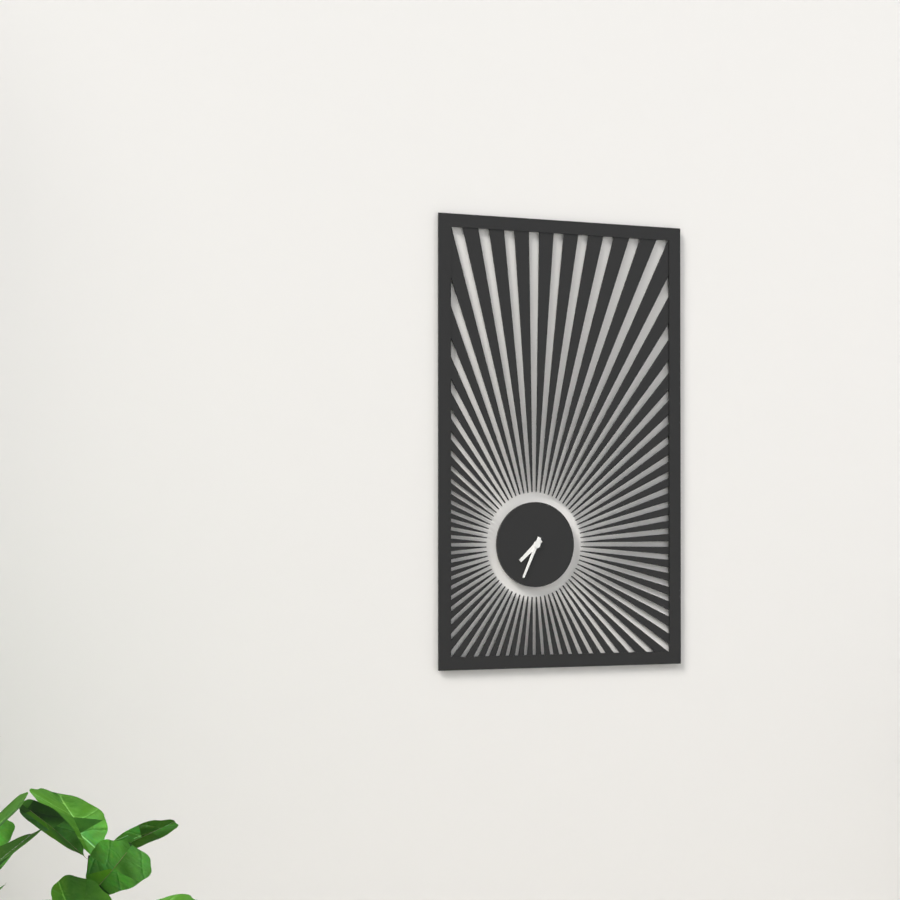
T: 7:34
